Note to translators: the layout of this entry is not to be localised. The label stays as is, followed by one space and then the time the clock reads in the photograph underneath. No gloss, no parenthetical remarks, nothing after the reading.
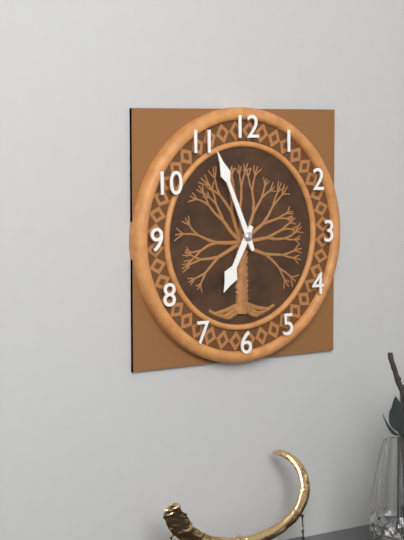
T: 6:56
